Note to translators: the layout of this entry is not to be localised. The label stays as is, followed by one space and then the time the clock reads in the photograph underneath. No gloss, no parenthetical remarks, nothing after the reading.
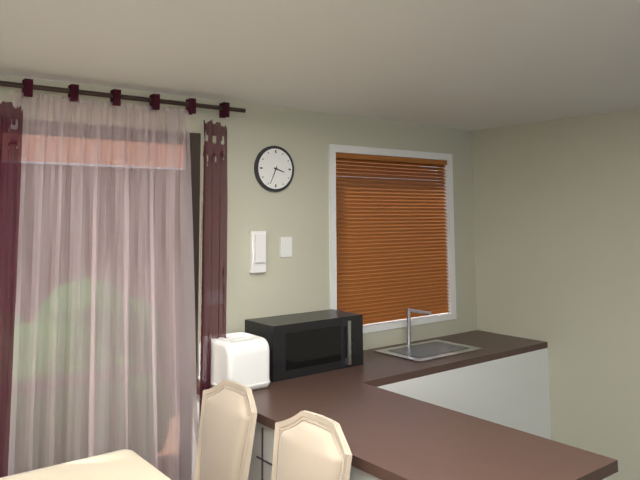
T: 3:34
